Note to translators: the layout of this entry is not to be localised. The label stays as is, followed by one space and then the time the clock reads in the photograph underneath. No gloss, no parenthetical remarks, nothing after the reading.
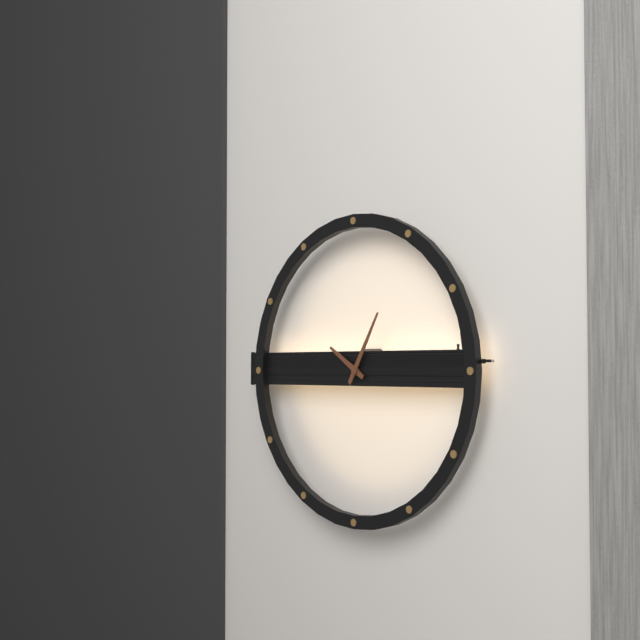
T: 10:05
